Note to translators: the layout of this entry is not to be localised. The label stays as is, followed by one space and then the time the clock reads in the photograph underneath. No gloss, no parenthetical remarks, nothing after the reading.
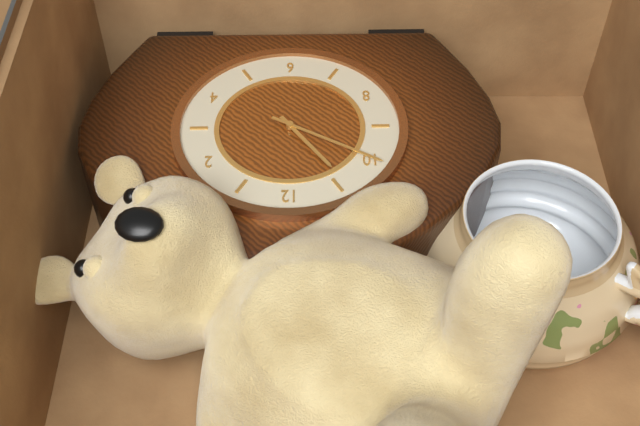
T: 10:50
